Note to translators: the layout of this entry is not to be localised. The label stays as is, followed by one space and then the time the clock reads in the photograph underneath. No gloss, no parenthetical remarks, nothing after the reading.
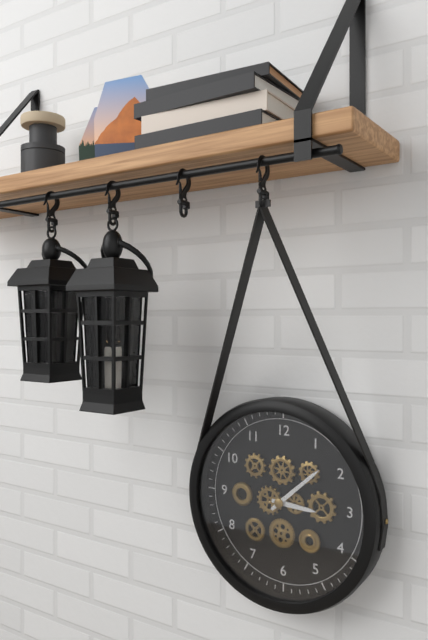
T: 3:08
